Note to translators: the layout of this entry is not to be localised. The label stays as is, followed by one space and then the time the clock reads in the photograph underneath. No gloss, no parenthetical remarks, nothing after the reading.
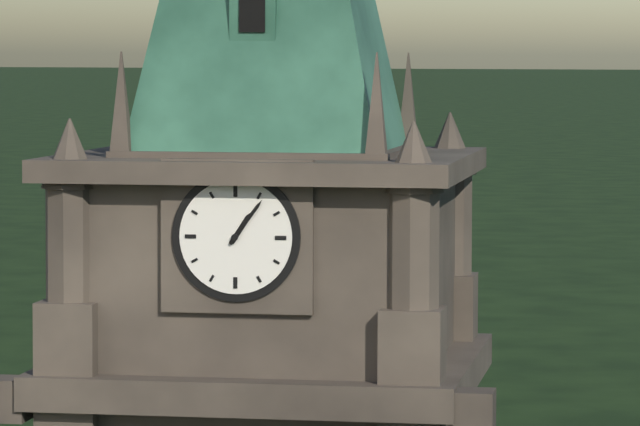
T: 1:06
